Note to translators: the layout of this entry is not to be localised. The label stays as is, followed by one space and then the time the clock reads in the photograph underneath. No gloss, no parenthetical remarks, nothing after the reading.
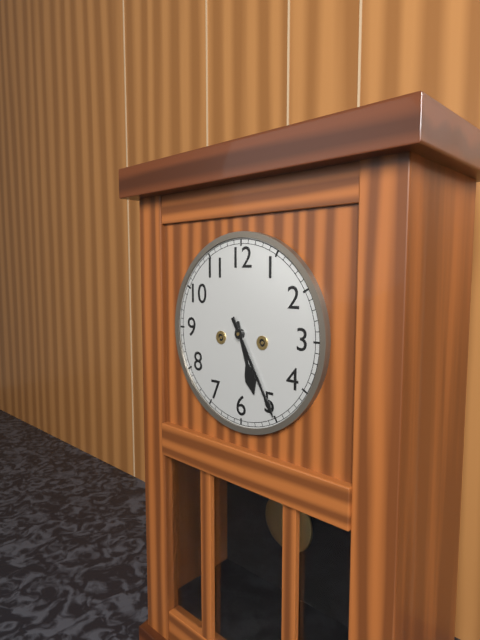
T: 5:25
